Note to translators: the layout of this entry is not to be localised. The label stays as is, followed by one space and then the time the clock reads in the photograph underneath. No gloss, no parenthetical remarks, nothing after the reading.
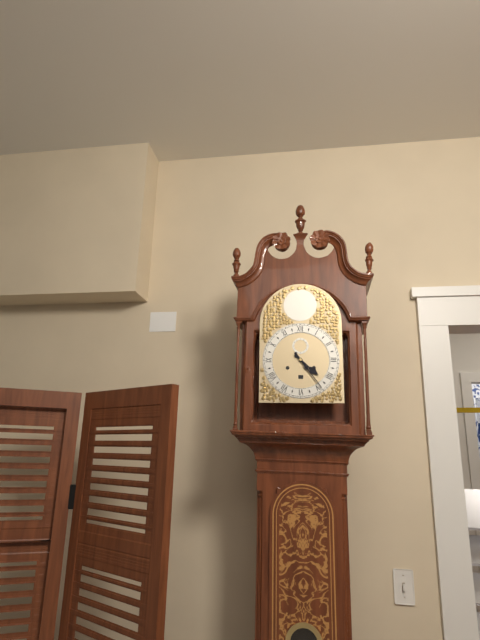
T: 4:24
